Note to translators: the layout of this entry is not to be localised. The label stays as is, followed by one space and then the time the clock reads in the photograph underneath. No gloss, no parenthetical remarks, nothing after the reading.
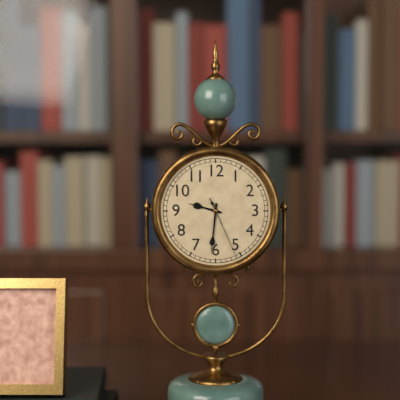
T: 9:31:26
